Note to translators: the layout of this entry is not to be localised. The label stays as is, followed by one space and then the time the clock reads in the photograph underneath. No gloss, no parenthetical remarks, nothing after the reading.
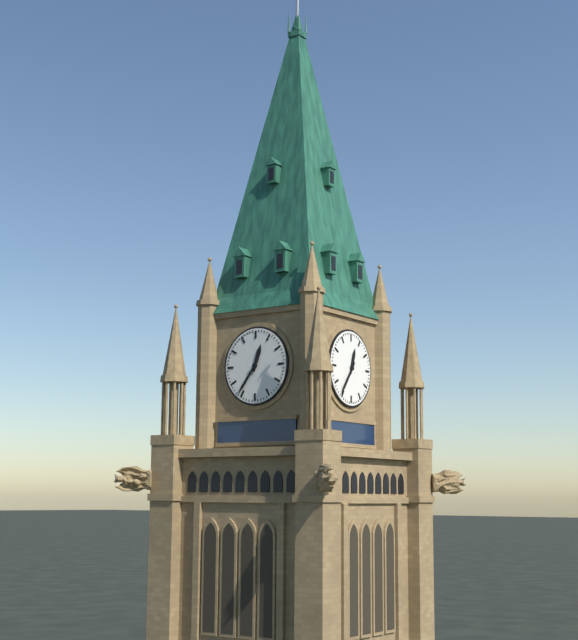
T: 12:36
